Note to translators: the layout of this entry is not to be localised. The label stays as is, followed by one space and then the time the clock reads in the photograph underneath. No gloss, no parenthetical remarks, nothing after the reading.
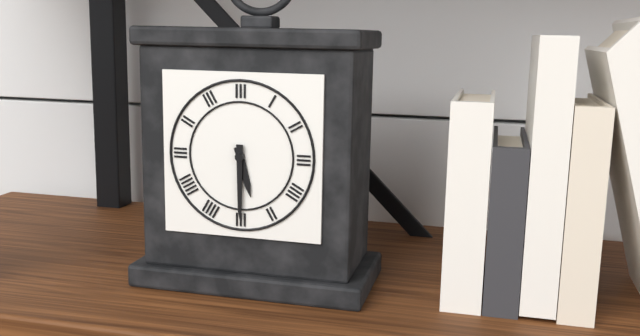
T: 5:30
